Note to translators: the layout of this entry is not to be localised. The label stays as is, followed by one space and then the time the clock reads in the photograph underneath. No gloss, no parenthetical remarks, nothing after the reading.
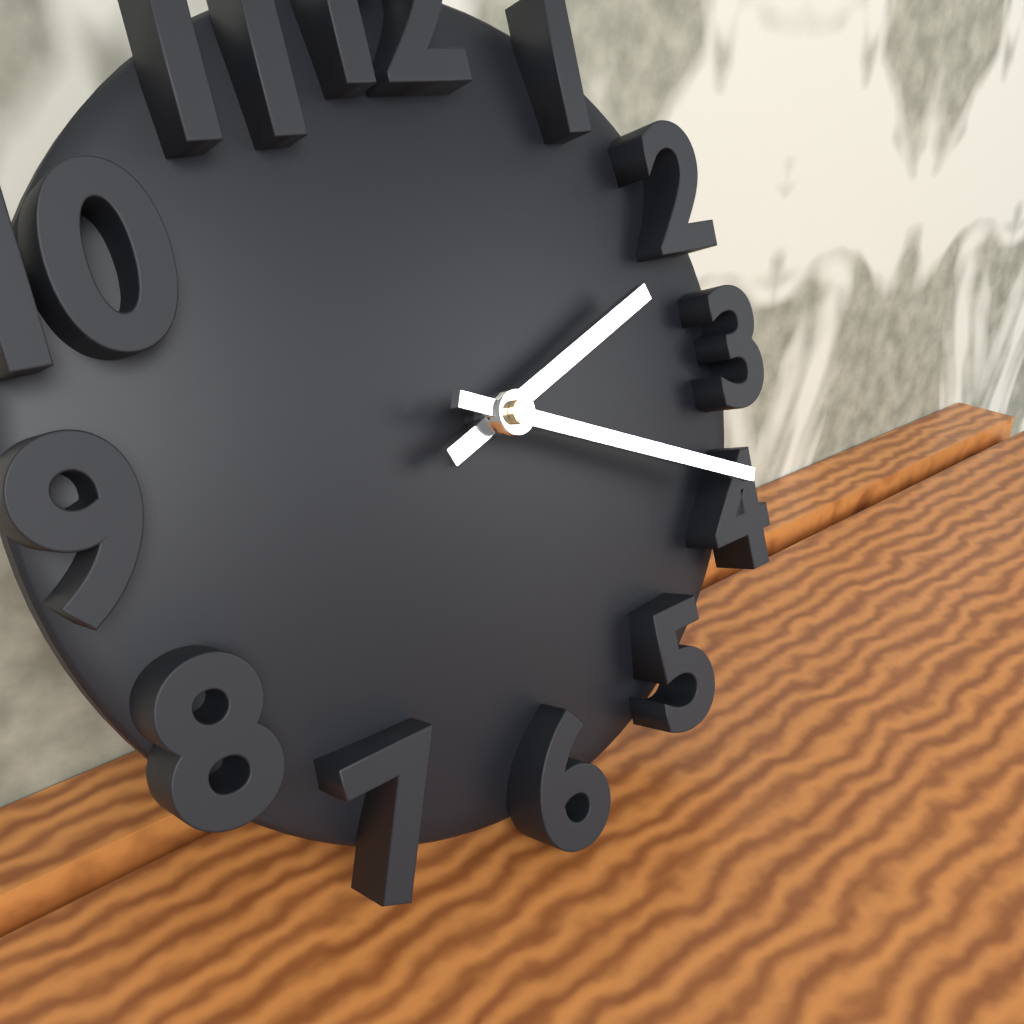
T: 2:19
